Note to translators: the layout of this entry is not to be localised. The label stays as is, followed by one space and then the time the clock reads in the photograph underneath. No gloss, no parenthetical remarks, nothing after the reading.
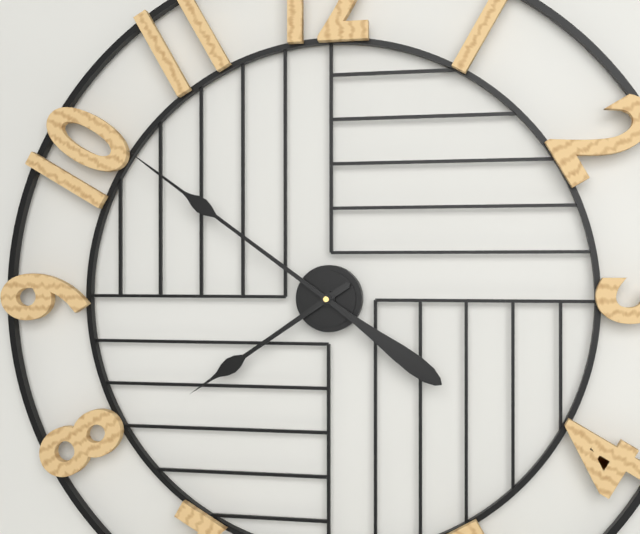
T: 7:51
